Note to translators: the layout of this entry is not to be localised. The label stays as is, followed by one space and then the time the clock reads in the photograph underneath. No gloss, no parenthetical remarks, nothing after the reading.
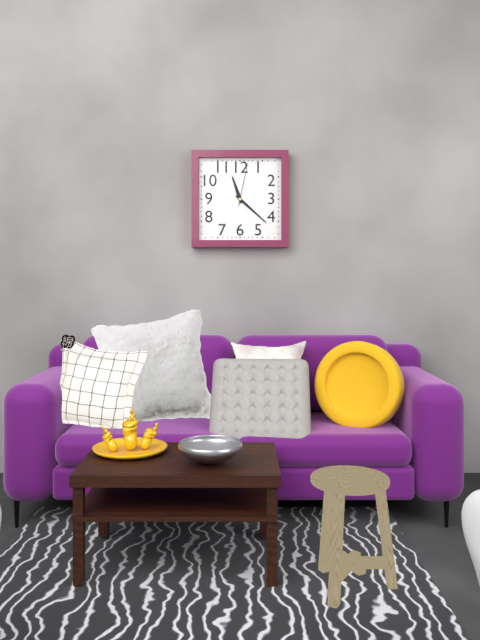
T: 11:22
